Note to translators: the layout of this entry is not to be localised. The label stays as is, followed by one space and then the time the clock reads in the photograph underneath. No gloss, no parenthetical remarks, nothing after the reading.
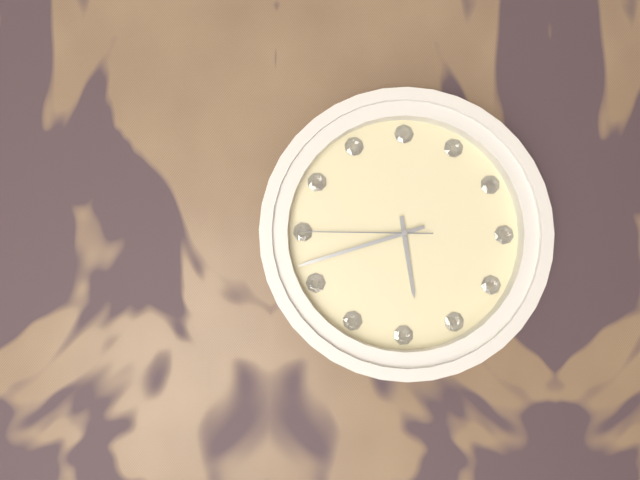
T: 5:42:45
